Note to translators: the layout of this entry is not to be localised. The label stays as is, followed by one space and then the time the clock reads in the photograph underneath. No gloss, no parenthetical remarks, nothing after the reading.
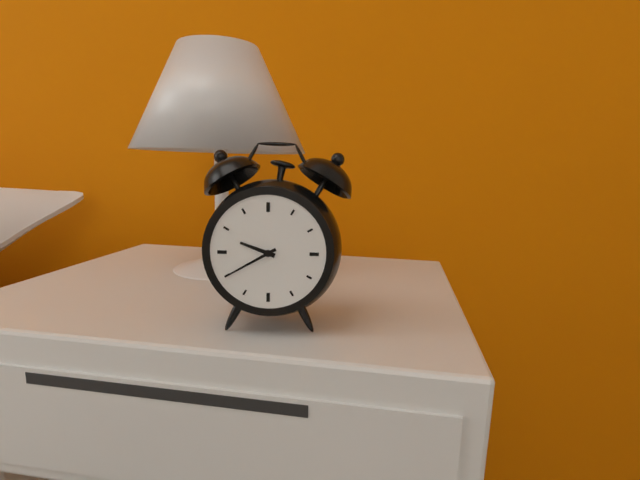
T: 9:40
